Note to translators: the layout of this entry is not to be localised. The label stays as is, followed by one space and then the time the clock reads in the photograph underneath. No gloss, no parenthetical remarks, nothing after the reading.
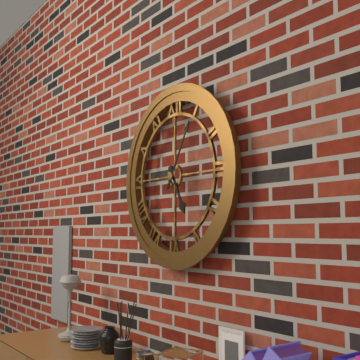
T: 5:05
